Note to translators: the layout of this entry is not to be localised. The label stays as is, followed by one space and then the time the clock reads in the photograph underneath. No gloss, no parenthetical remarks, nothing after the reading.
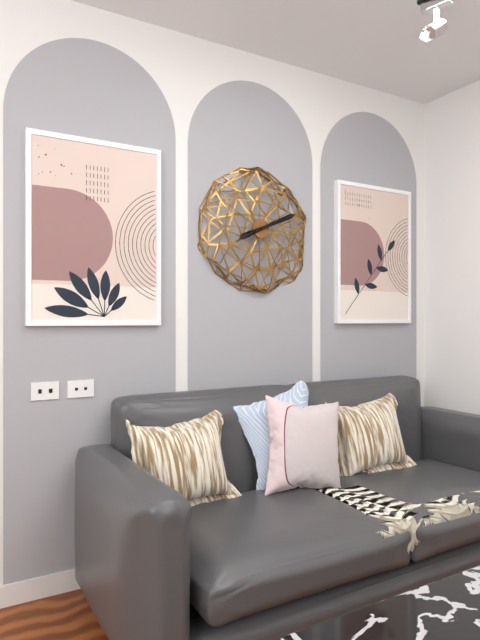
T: 8:11
